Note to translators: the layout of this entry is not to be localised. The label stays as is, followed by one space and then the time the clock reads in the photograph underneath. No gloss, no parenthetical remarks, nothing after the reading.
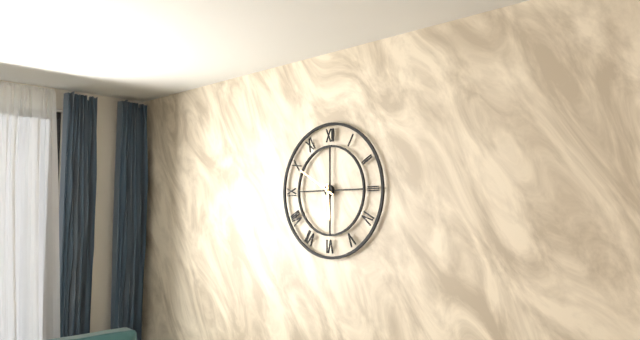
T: 5:50
